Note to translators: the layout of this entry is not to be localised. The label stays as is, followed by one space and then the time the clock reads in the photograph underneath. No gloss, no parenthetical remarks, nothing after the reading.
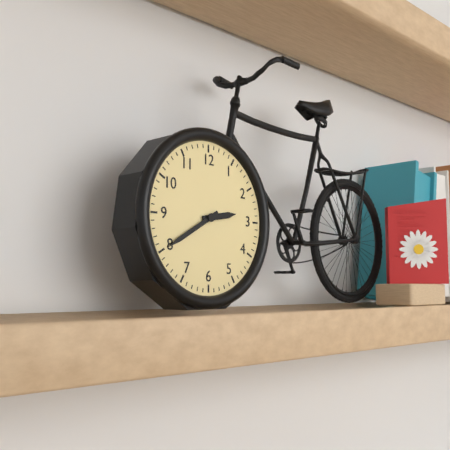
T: 2:40
